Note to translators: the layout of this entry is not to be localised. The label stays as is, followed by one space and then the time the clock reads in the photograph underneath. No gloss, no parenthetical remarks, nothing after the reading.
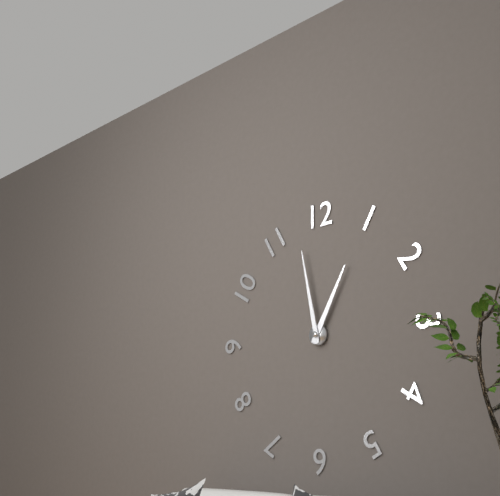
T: 12:58
